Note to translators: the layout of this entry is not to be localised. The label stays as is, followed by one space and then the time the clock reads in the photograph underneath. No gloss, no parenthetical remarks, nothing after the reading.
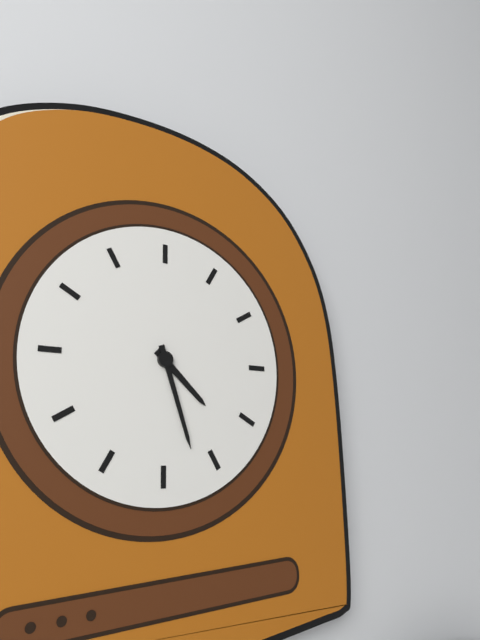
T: 4:27
